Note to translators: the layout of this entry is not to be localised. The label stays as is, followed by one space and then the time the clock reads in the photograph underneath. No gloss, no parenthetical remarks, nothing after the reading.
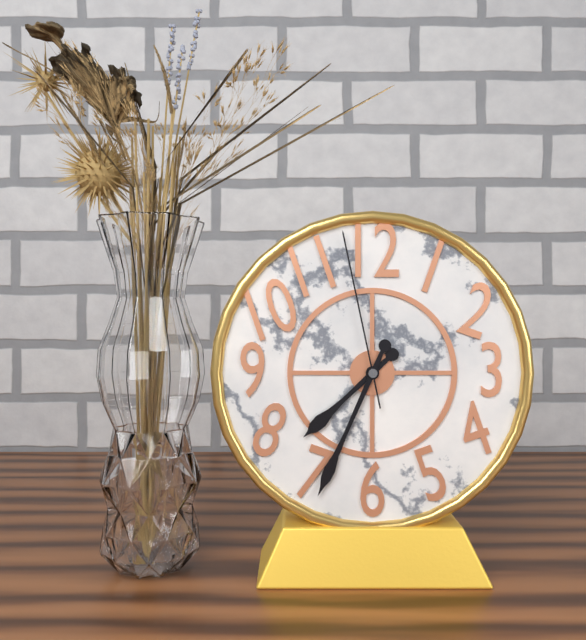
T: 7:34:58
